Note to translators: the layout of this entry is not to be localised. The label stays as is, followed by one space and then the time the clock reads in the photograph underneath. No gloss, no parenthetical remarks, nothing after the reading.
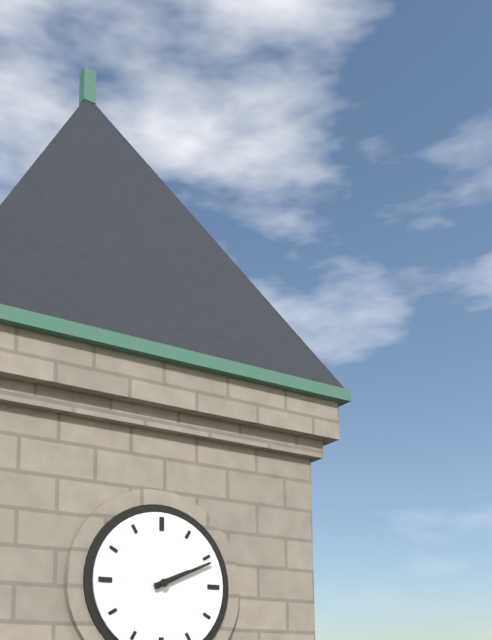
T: 2:11
